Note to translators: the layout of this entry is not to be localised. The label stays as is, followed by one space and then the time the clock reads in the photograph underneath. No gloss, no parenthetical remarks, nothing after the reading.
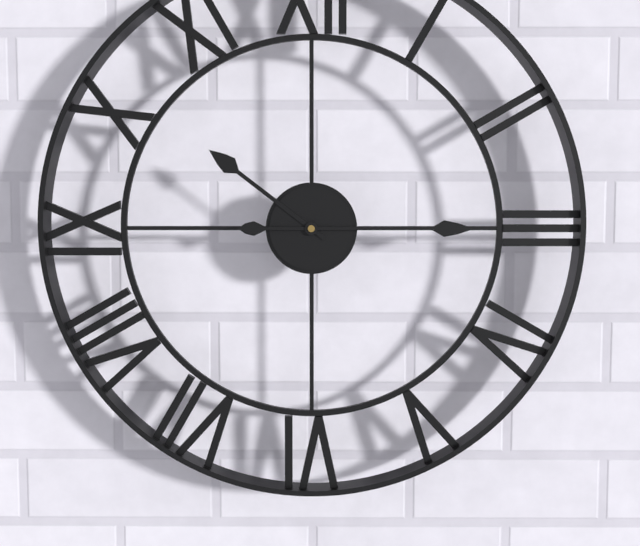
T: 10:15
